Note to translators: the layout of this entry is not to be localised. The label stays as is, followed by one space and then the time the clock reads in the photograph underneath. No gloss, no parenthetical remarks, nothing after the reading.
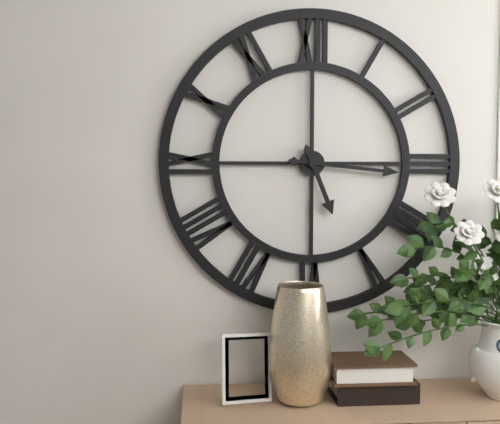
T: 5:16
